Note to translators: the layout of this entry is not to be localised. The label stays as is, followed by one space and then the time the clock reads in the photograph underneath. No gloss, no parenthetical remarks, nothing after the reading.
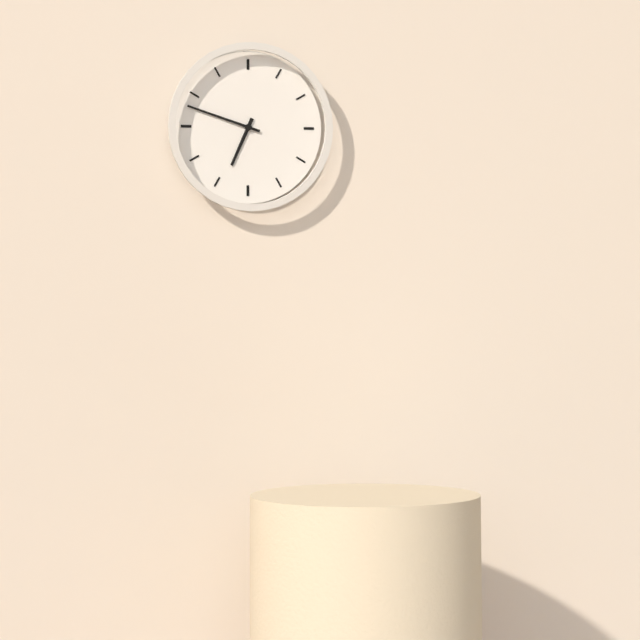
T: 6:48
